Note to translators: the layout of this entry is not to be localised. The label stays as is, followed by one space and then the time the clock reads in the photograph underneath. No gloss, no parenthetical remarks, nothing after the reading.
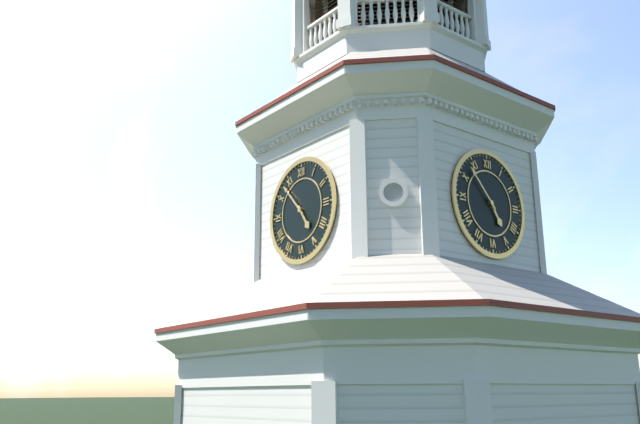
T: 4:53
